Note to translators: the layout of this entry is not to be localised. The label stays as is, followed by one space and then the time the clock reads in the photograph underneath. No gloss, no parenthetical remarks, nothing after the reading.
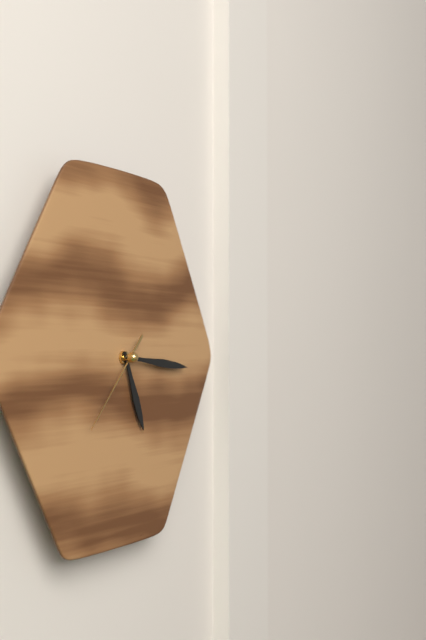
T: 5:16:37
